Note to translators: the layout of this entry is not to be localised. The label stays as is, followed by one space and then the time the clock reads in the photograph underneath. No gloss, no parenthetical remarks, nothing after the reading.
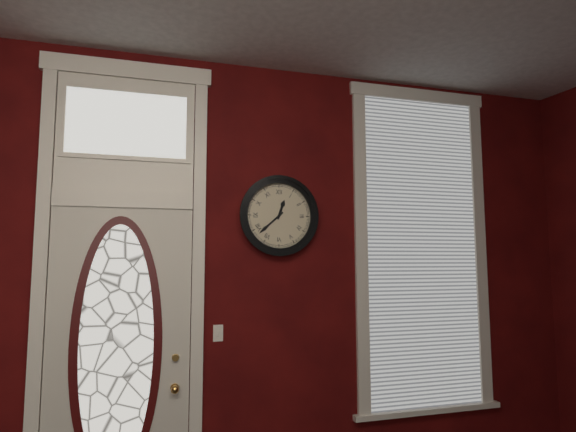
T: 12:38
